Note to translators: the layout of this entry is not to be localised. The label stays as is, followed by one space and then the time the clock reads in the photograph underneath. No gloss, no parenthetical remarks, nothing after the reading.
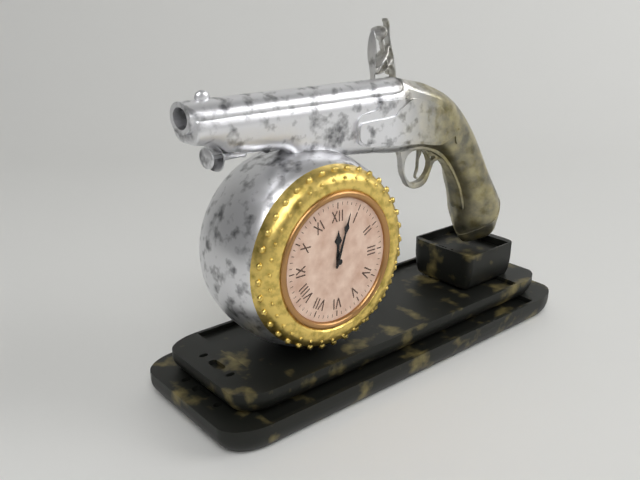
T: 12:03
